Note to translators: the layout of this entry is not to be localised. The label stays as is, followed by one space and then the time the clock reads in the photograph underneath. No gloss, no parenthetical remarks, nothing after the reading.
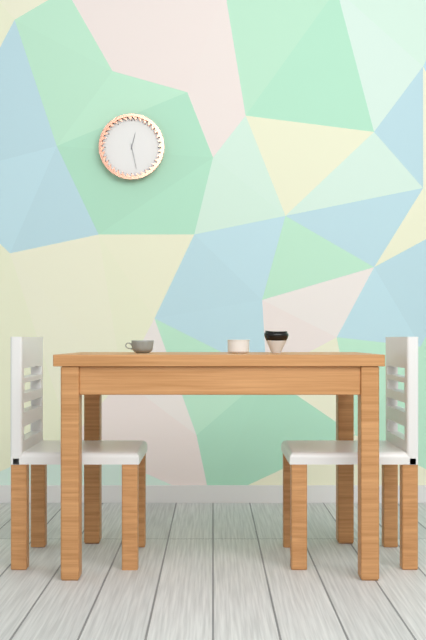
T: 12:28
